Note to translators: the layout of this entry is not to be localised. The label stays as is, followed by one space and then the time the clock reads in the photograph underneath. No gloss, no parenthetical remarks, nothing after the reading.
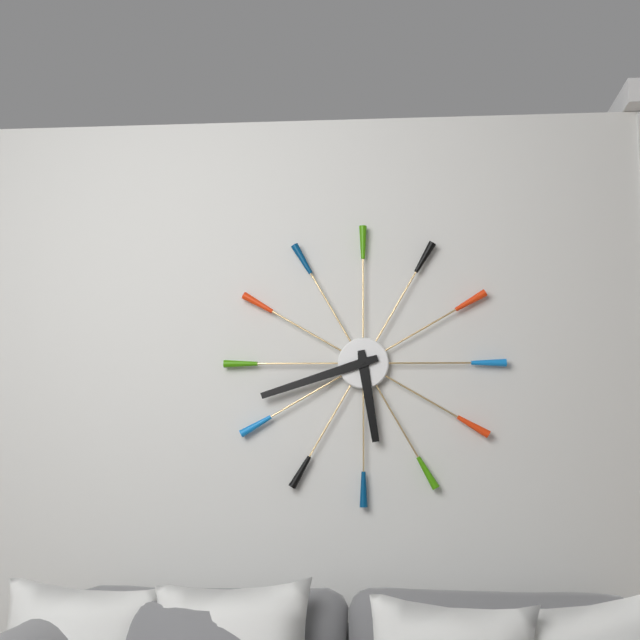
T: 5:42
